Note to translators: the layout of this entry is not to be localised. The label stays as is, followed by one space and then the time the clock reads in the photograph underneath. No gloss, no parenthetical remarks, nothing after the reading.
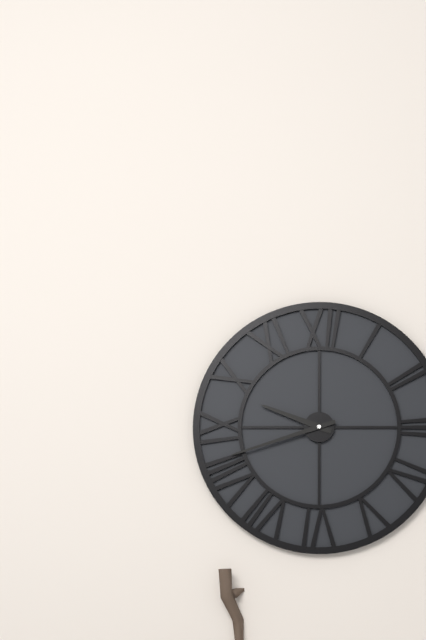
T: 9:42
